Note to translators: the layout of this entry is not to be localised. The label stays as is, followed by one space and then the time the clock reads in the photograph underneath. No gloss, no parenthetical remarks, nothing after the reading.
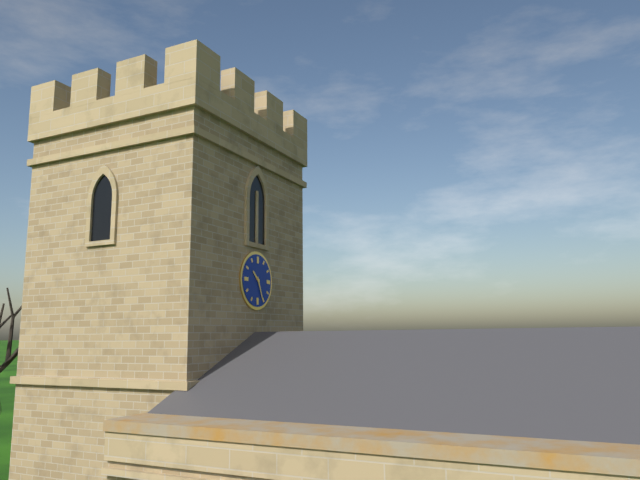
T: 10:26
